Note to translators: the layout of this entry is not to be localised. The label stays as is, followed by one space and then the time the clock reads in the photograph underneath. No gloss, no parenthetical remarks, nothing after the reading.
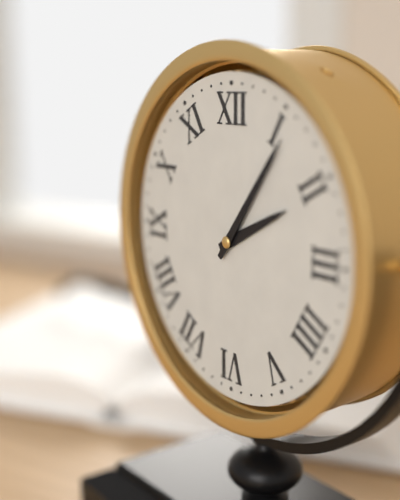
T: 2:06
